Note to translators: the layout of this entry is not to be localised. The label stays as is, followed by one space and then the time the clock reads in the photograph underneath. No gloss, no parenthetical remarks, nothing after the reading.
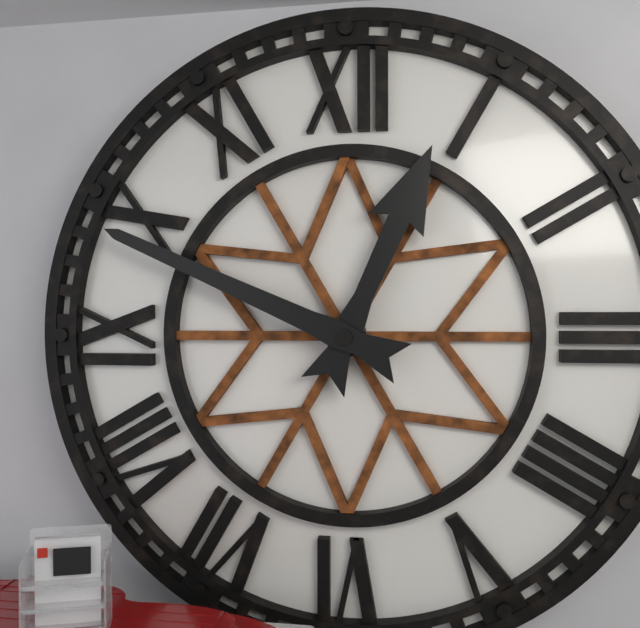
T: 12:49
